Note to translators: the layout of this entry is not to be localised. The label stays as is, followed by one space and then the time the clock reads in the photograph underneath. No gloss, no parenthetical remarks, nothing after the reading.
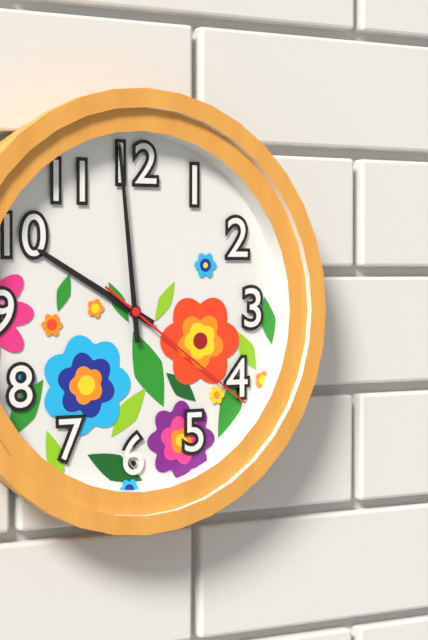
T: 9:59:21
